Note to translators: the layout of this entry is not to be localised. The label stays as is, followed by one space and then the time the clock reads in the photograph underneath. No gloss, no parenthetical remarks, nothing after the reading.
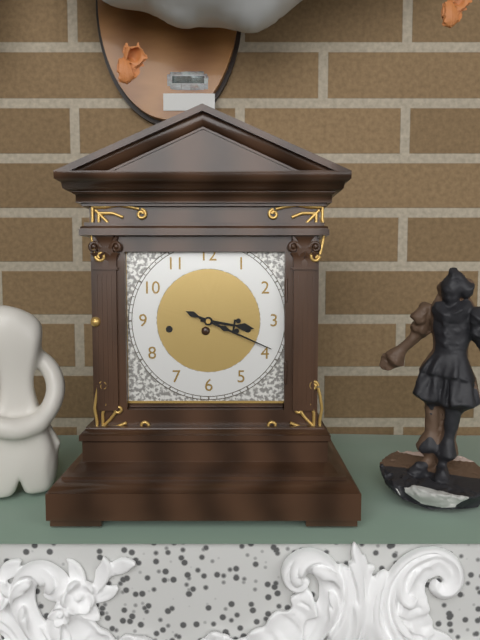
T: 3:19
